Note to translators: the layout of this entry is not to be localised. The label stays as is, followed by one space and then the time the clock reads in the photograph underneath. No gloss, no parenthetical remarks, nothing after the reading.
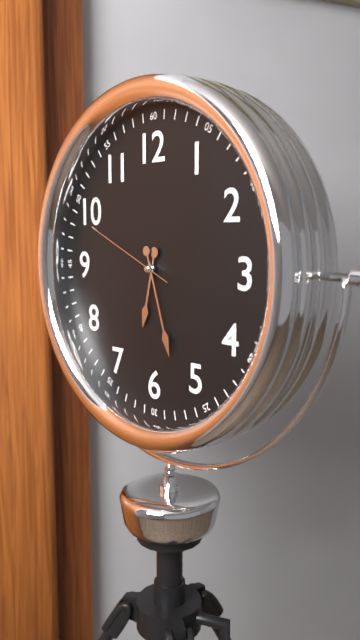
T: 6:27:49
